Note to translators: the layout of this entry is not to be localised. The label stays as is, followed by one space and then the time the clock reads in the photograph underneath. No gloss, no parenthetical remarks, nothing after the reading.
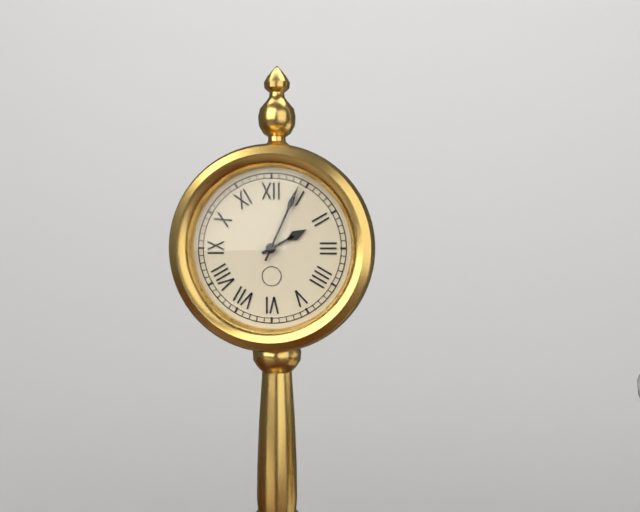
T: 2:04
